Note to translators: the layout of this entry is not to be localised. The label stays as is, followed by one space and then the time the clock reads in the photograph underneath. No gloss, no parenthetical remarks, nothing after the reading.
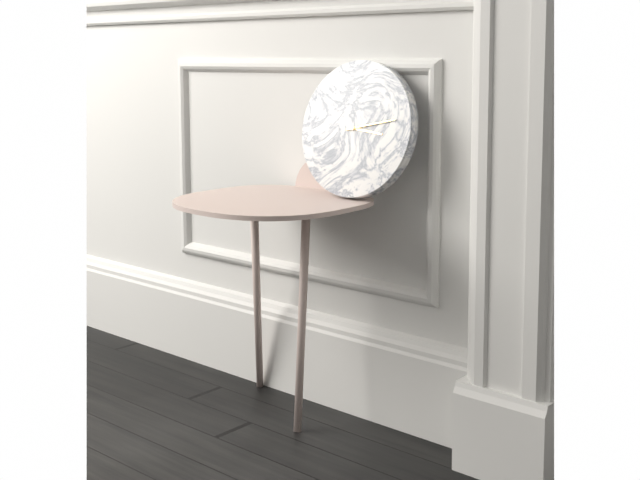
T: 3:13
